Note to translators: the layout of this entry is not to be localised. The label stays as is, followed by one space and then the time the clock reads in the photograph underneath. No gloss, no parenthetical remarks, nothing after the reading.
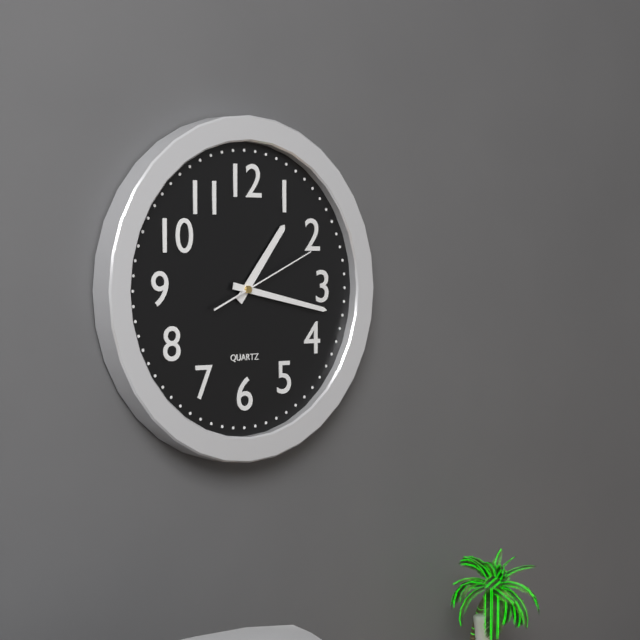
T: 1:17:11
